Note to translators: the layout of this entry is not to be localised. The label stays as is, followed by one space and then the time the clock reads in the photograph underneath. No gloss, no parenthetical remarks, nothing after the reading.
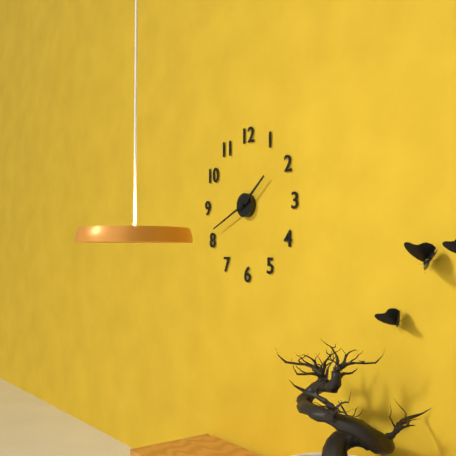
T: 1:41
